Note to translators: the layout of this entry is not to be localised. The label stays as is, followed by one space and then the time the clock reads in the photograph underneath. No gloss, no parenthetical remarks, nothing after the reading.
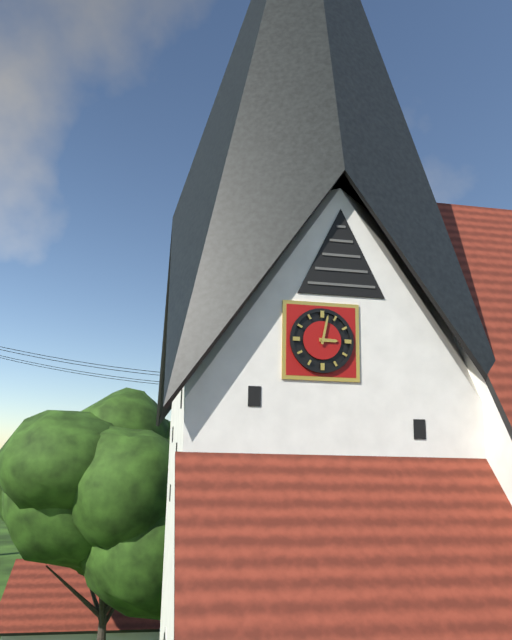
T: 3:02
